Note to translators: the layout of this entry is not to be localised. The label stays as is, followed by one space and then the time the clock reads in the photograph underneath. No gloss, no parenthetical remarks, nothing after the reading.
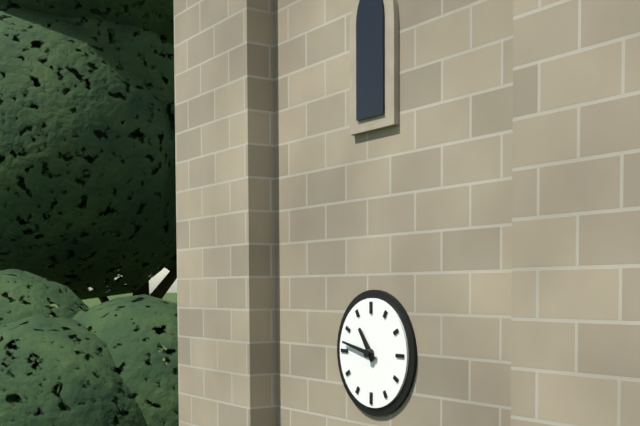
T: 10:47
